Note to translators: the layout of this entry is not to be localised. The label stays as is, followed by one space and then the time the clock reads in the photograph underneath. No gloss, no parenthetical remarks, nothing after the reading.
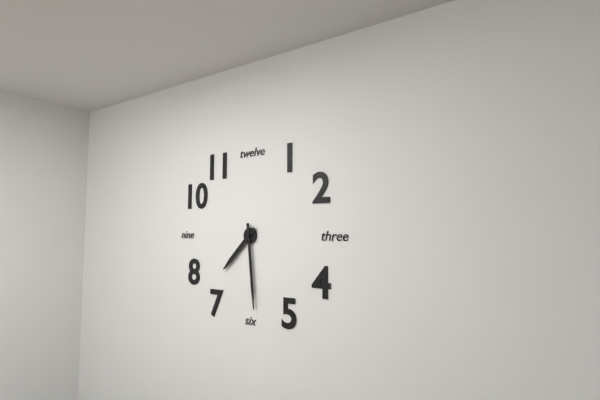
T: 7:29
